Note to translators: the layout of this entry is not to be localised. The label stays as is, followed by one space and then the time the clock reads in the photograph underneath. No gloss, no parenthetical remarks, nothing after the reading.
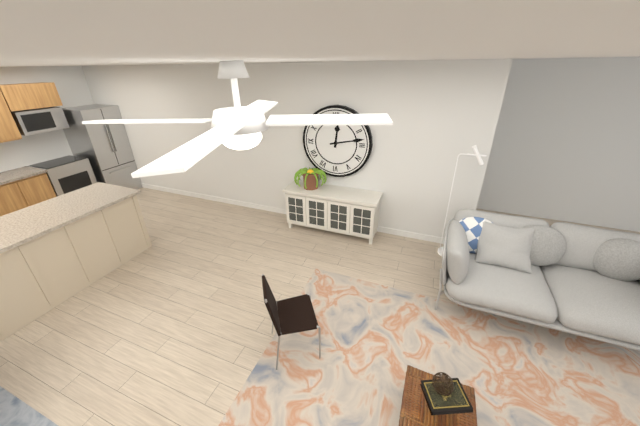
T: 12:13
